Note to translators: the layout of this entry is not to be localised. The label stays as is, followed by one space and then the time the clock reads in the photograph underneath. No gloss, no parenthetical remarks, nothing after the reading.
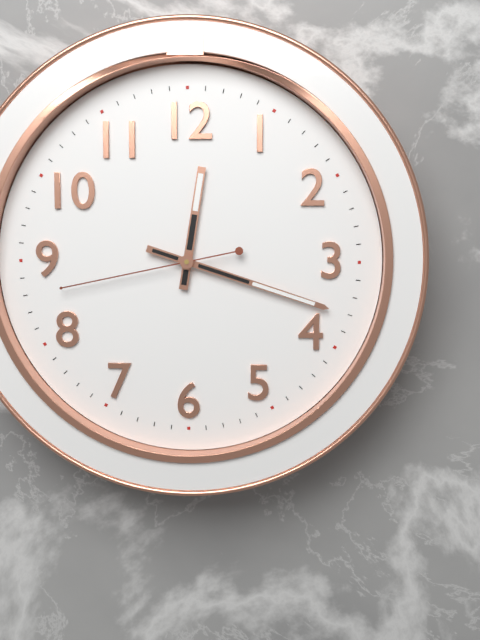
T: 12:18:43
